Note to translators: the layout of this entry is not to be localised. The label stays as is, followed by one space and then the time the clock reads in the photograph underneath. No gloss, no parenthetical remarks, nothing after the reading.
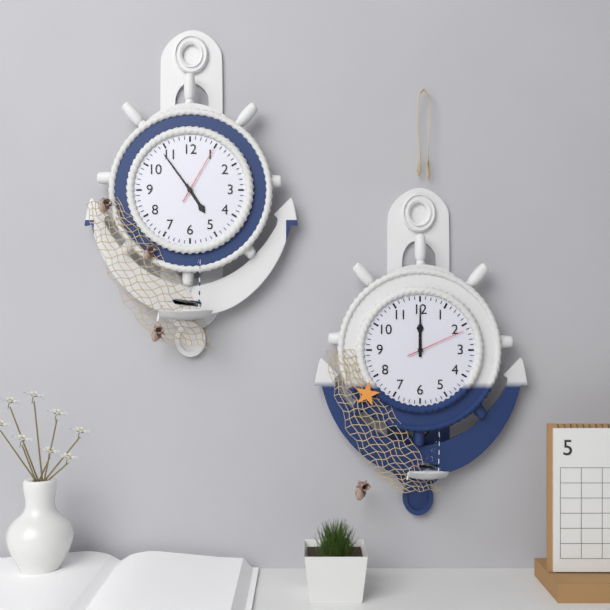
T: 4:54:05
